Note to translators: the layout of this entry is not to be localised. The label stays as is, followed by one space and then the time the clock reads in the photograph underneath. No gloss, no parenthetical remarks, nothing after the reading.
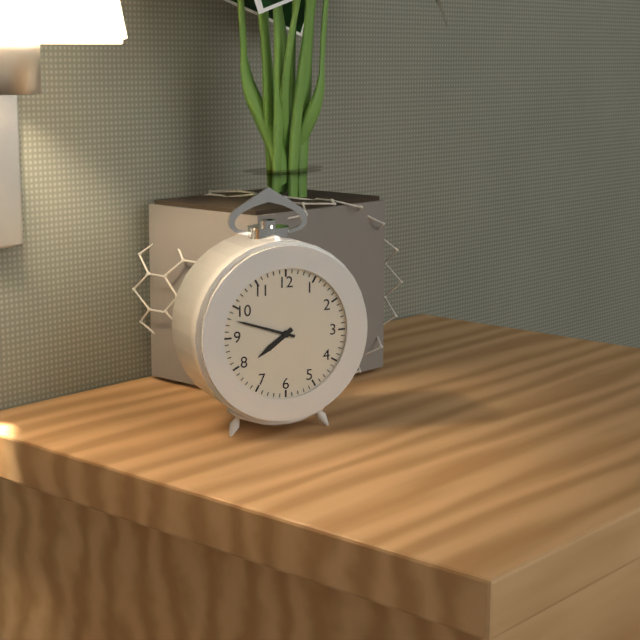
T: 7:48
